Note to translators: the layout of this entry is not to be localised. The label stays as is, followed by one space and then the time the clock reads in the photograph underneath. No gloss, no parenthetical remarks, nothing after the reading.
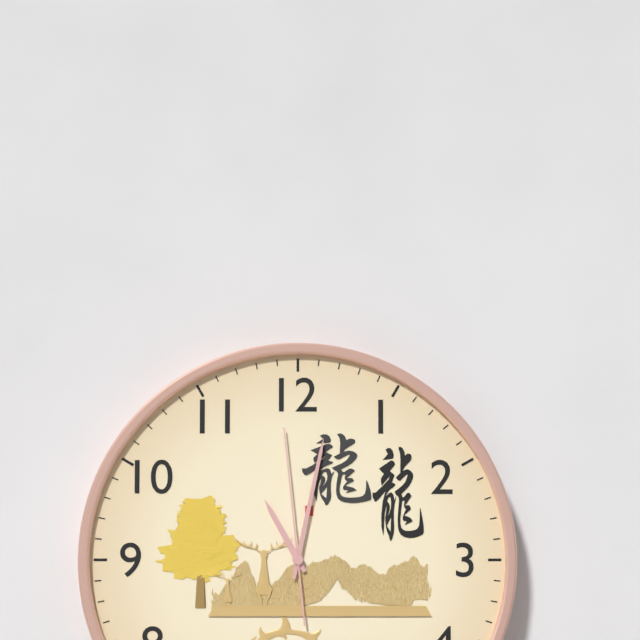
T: 11:02:59
